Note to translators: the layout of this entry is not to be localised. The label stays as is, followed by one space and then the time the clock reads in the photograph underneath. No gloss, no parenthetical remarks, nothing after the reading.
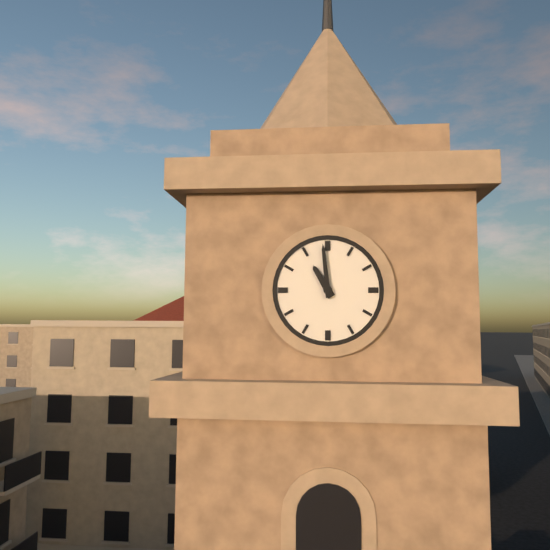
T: 10:59
